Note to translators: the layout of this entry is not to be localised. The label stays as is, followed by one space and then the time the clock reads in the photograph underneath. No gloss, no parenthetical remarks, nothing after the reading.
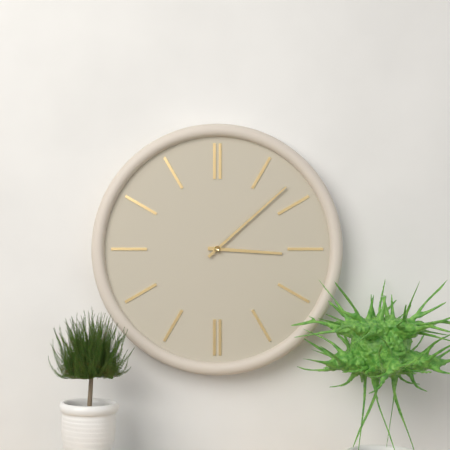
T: 3:08
